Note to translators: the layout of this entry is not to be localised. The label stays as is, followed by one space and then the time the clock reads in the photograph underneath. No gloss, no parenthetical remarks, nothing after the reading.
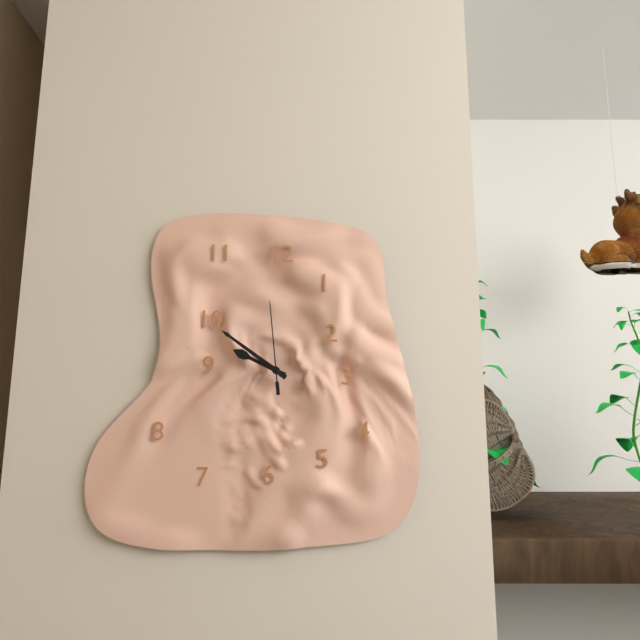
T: 9:51:59
